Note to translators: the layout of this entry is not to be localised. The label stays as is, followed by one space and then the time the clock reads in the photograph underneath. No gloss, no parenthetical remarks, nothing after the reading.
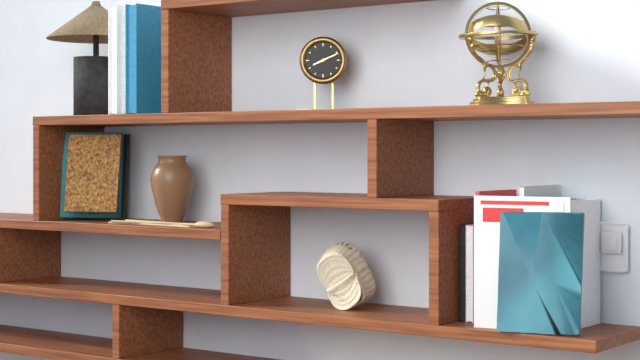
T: 8:11
